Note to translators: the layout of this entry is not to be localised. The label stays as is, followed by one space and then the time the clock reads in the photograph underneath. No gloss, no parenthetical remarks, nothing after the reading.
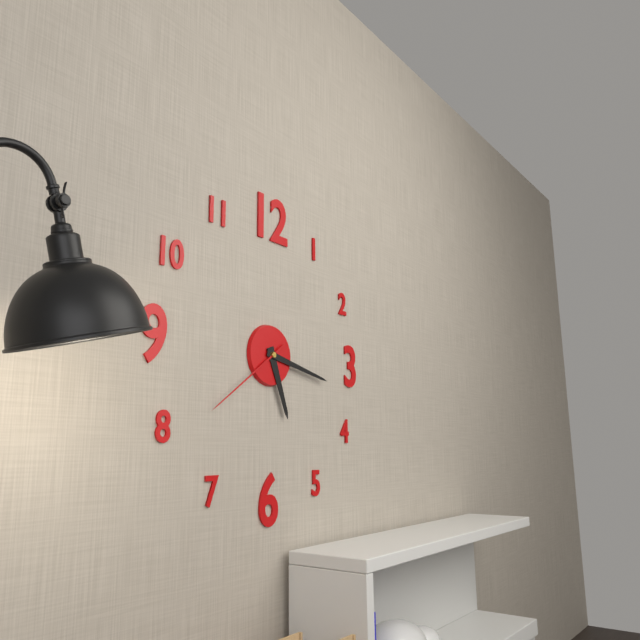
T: 5:17:39
